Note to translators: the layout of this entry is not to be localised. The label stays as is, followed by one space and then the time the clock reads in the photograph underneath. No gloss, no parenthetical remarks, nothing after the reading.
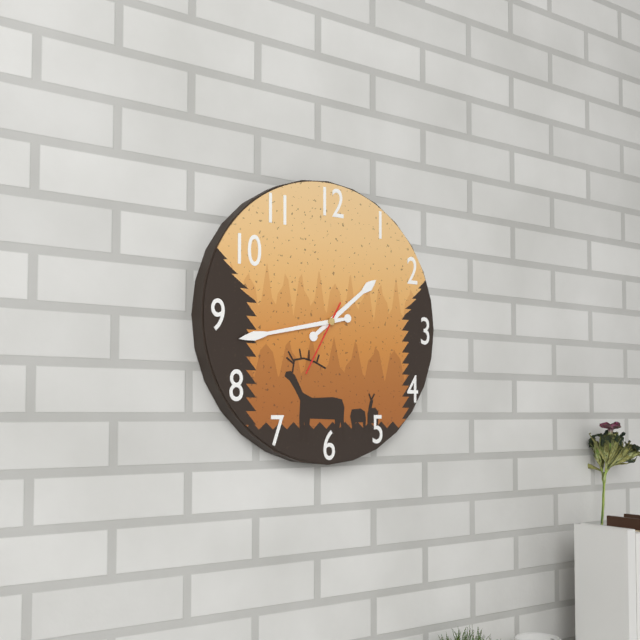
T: 1:43:35
